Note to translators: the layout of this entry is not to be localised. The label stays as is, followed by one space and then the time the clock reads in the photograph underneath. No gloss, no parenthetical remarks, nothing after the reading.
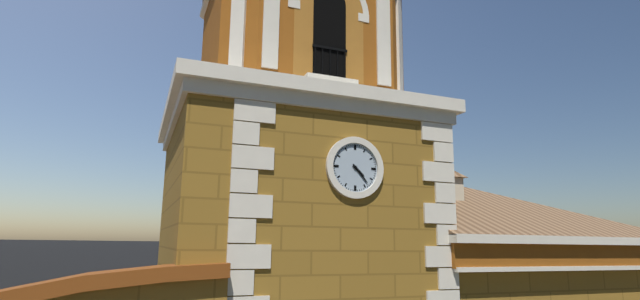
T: 4:23
